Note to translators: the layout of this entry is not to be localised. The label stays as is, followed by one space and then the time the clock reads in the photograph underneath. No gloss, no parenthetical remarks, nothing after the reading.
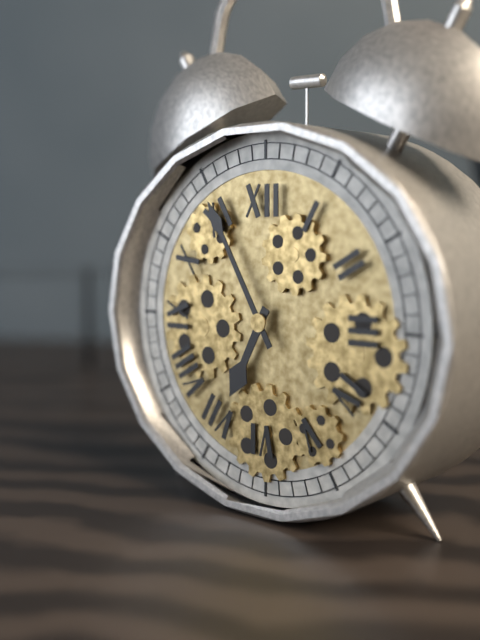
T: 6:55
